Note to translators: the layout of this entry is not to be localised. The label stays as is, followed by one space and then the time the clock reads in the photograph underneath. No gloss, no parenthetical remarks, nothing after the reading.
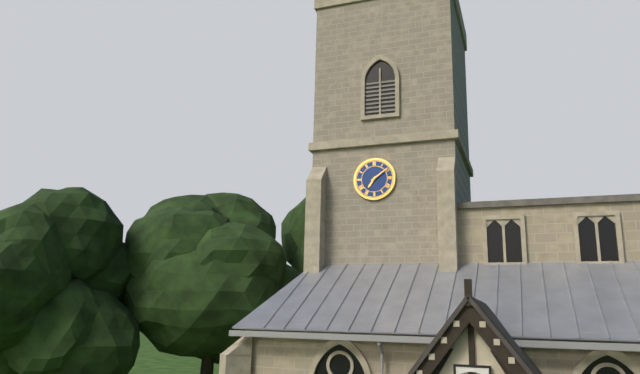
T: 7:09
